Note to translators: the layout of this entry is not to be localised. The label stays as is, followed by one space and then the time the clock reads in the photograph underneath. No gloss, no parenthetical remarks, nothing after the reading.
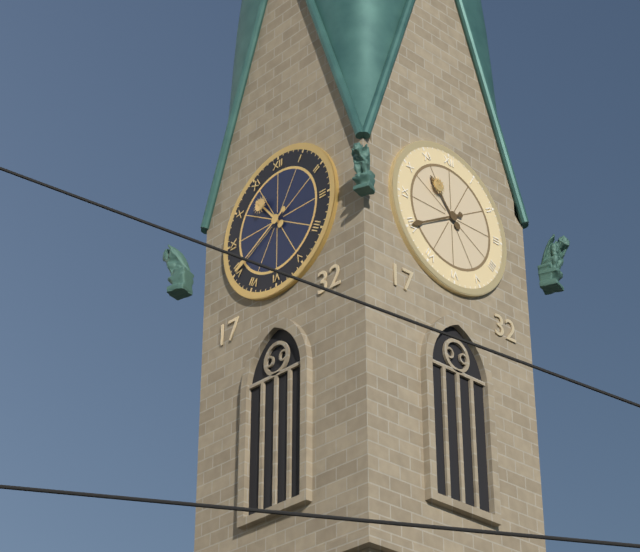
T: 10:40
